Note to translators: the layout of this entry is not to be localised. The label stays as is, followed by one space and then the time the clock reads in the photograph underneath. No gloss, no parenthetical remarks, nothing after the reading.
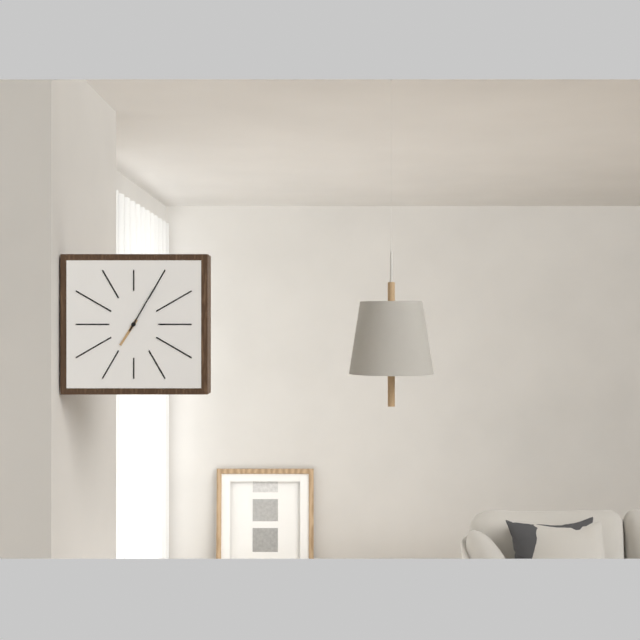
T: 7:05
